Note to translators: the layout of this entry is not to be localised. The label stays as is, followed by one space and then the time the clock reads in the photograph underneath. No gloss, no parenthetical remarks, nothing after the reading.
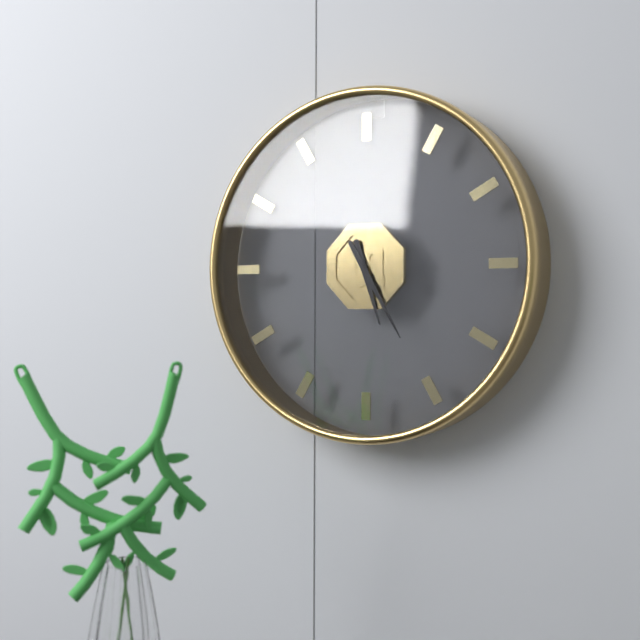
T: 5:25
